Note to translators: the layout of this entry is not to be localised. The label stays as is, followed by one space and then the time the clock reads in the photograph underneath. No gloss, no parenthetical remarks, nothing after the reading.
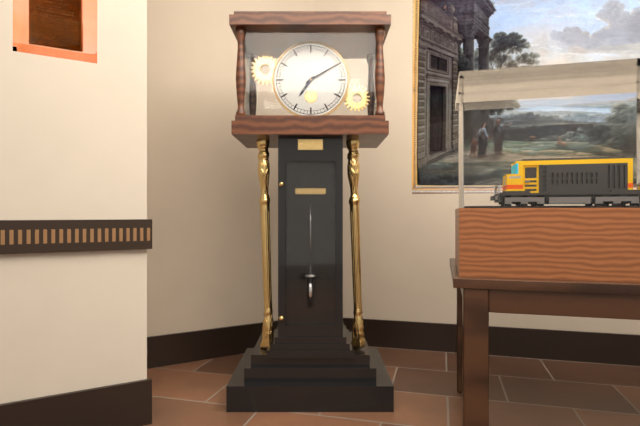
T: 7:10
